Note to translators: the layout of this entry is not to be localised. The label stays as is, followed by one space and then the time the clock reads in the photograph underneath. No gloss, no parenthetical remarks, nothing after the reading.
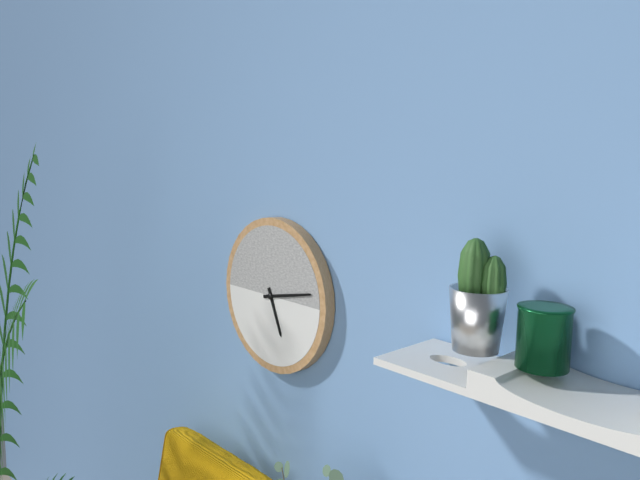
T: 5:13
